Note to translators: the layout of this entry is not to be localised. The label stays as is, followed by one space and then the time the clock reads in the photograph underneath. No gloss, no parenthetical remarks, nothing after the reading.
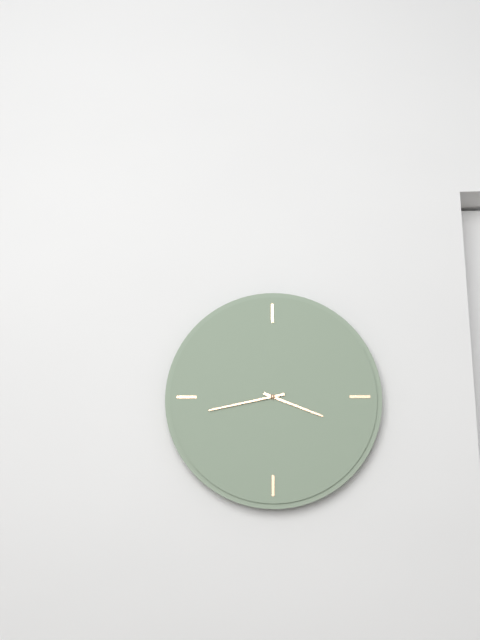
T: 3:43
